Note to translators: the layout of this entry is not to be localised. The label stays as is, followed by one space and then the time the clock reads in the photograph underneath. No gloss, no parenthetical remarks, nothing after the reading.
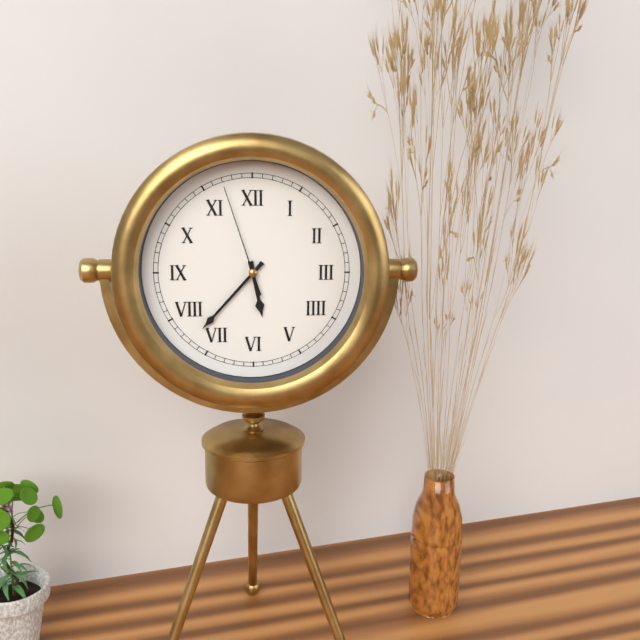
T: 5:37:57
